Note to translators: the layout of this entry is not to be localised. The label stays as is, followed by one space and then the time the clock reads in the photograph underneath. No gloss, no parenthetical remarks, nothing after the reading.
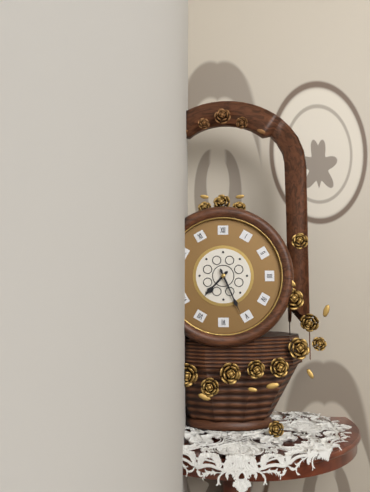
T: 7:26
